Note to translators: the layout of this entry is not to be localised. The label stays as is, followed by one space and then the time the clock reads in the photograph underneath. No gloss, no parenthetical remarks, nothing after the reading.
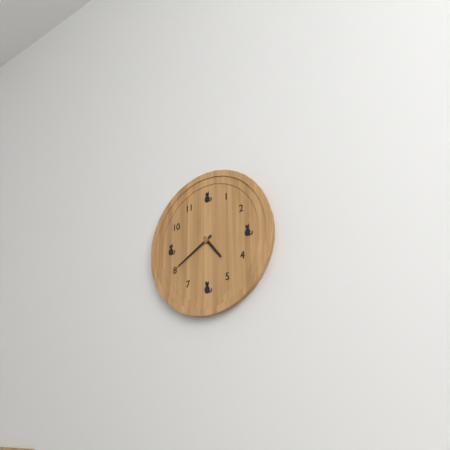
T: 4:40
